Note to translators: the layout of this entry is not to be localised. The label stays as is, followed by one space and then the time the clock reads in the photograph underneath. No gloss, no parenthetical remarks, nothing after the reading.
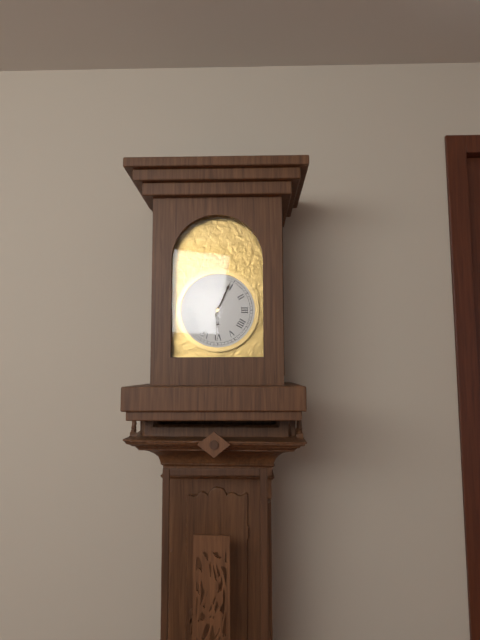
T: 6:04
